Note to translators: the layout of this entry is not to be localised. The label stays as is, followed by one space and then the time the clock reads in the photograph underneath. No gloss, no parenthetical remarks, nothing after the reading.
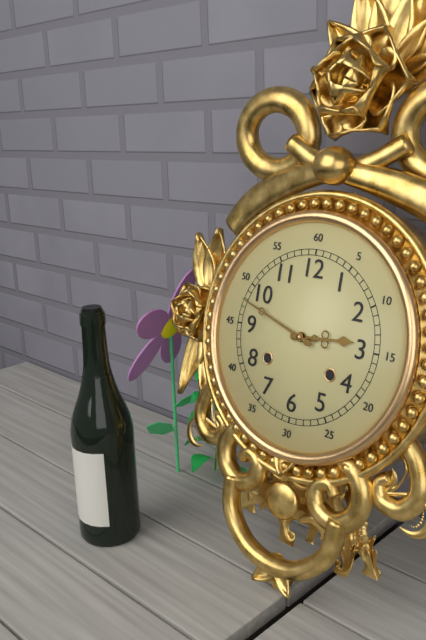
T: 2:48
